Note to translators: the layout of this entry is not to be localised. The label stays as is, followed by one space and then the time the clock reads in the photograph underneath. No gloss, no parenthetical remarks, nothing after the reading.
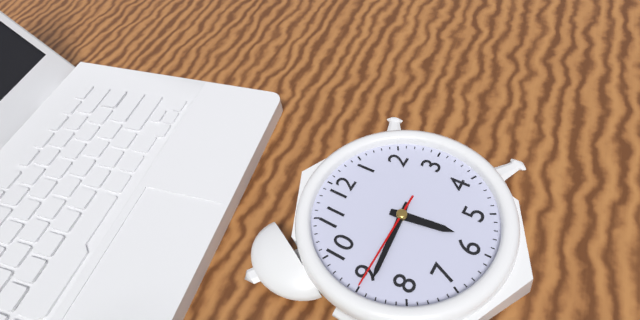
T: 5:44:45
